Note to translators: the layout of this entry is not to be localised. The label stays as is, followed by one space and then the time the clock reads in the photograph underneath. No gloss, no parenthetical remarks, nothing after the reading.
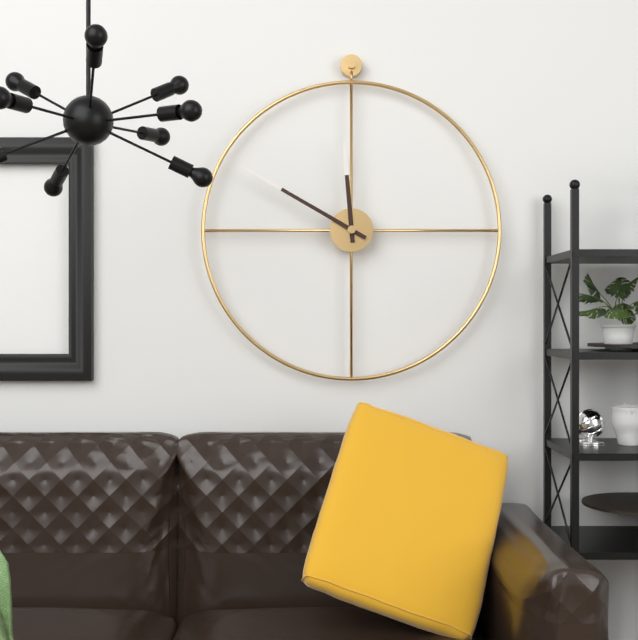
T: 11:50
